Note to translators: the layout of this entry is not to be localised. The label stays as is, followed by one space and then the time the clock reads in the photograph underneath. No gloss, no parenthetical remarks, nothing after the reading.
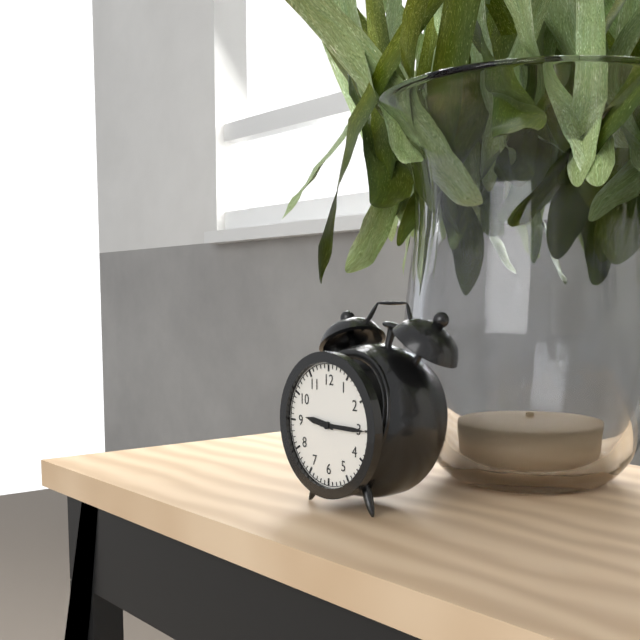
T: 9:15
